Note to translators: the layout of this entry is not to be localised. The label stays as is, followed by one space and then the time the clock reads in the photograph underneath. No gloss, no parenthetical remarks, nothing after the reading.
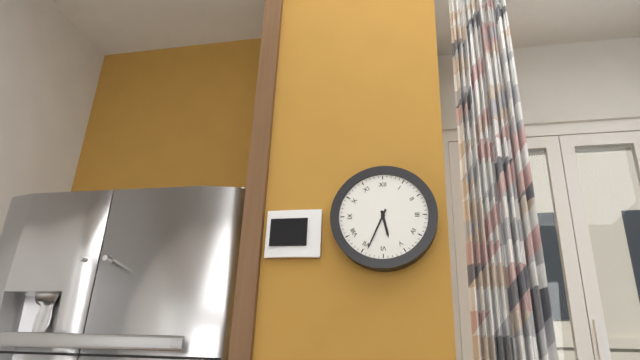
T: 5:34
